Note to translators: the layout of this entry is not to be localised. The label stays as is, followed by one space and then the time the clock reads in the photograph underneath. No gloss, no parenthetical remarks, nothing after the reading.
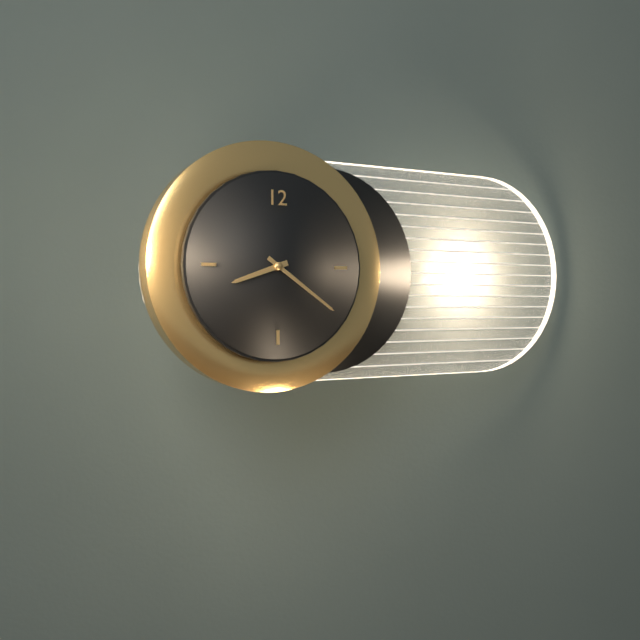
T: 8:21
